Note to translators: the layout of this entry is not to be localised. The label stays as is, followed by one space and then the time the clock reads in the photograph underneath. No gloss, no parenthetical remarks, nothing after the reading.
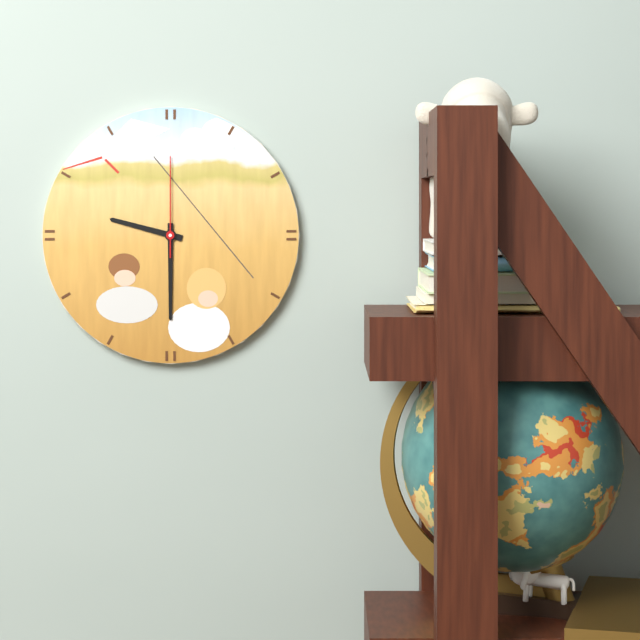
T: 9:30:00
